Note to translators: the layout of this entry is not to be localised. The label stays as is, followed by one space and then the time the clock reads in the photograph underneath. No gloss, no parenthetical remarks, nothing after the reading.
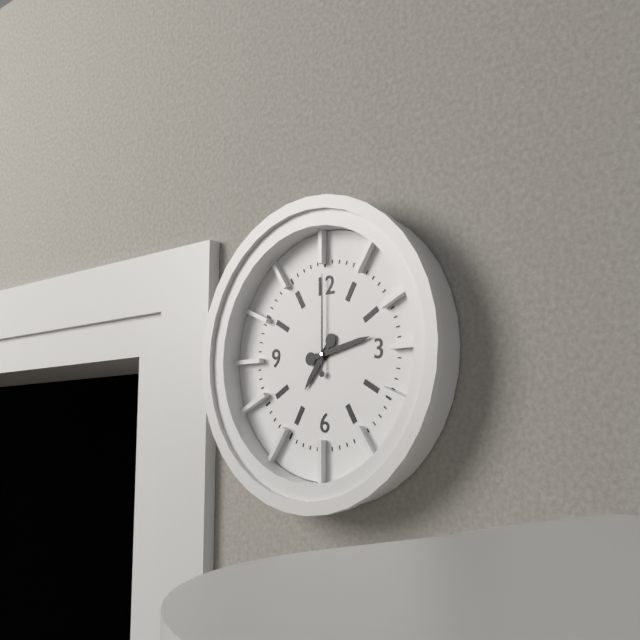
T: 7:13:00
